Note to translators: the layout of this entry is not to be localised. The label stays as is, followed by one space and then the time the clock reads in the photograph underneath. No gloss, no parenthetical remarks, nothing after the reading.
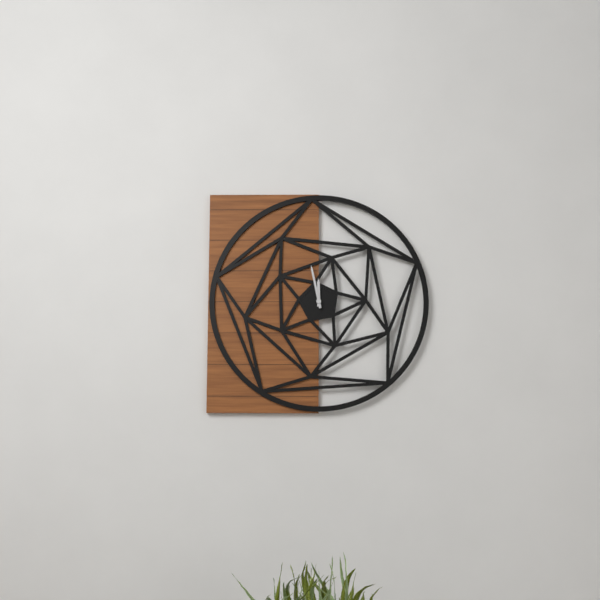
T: 11:58
